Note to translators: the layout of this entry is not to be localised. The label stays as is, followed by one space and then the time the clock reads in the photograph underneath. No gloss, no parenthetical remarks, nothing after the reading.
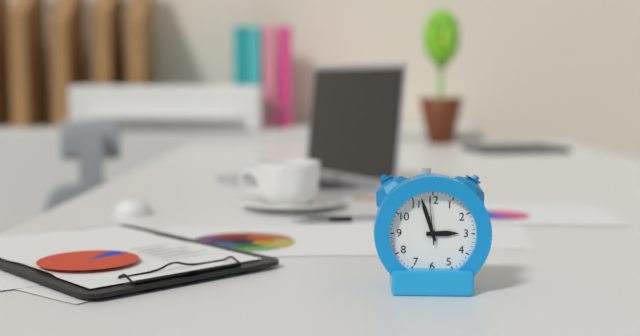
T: 2:57
